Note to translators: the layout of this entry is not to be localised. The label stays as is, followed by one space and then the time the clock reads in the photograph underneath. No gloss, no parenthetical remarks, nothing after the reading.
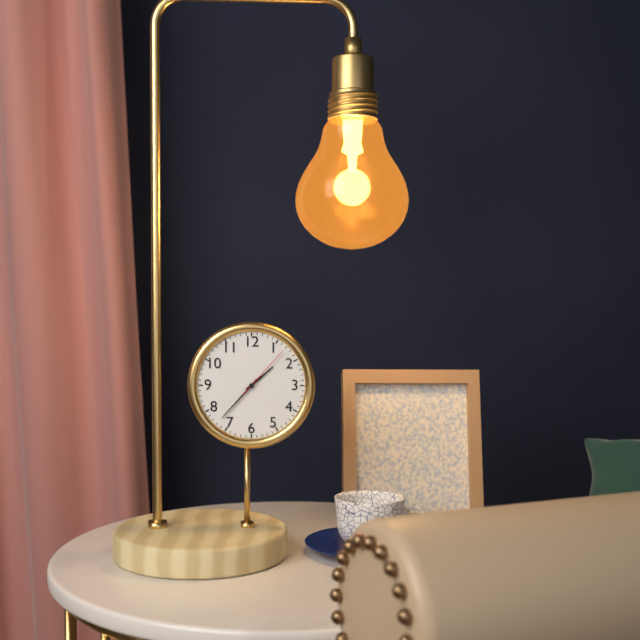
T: 1:37:07
